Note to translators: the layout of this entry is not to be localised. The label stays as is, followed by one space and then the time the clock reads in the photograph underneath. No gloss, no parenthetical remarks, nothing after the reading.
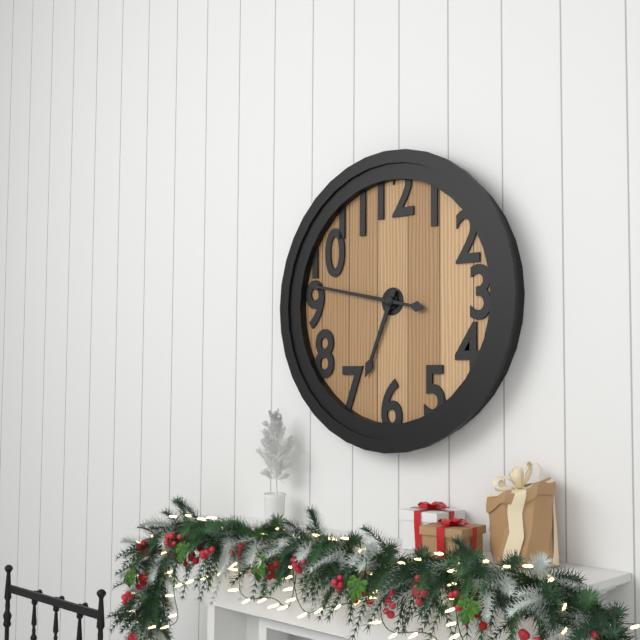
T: 6:47
